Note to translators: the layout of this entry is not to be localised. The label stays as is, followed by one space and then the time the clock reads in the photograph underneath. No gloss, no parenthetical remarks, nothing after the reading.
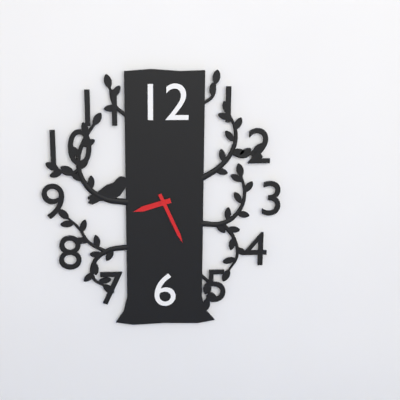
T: 8:26
